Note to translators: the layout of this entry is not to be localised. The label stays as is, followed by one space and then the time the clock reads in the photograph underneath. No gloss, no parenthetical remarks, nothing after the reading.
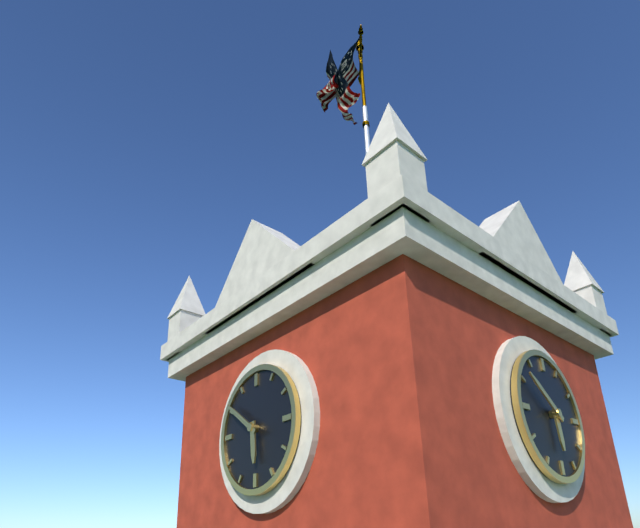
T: 5:51
